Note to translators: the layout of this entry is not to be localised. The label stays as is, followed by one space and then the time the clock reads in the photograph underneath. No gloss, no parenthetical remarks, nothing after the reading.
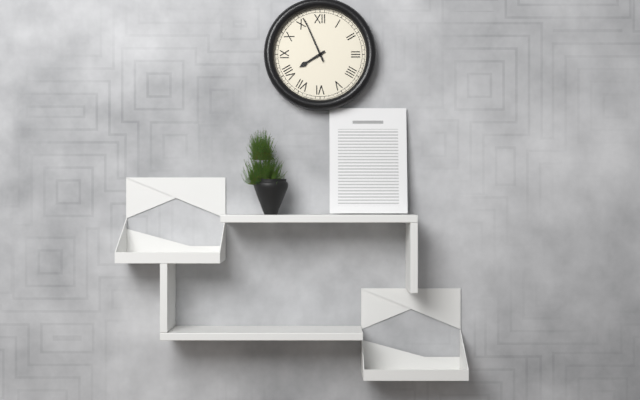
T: 7:56
